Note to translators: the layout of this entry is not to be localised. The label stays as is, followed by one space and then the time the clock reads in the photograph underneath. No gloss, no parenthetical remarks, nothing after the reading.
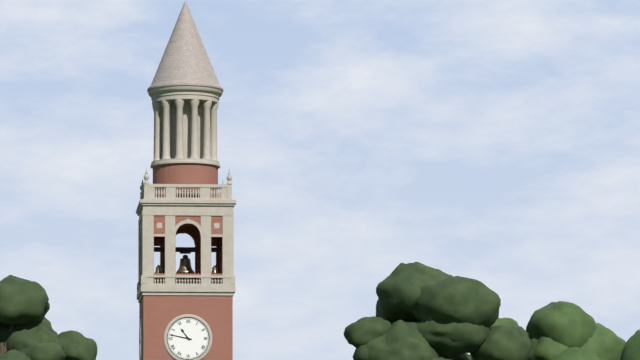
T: 10:47
